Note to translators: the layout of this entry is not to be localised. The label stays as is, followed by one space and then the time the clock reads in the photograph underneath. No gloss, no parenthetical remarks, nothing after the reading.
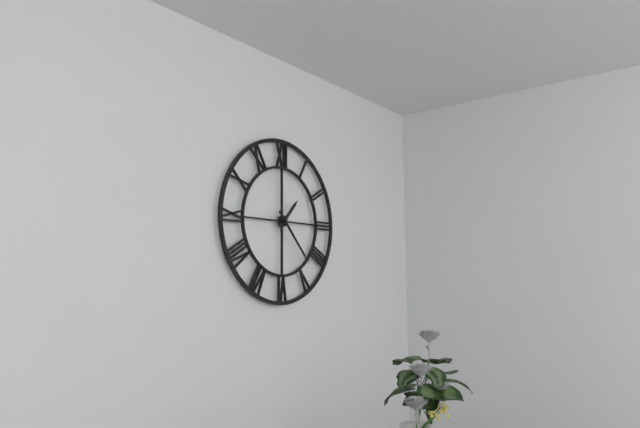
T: 1:23
